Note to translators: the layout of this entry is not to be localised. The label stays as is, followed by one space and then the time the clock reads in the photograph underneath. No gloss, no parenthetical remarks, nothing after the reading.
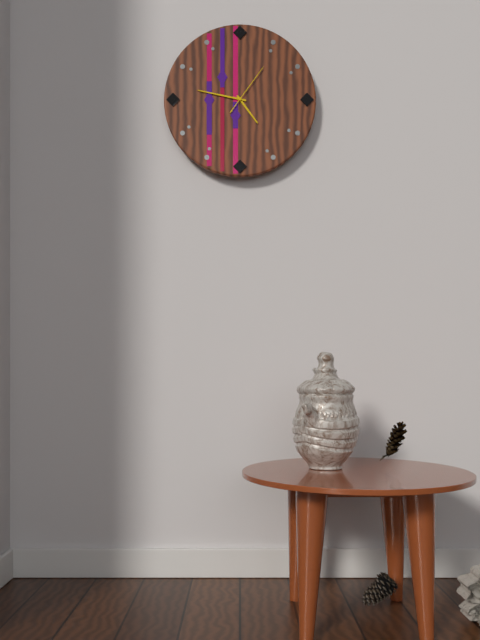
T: 4:47:06
